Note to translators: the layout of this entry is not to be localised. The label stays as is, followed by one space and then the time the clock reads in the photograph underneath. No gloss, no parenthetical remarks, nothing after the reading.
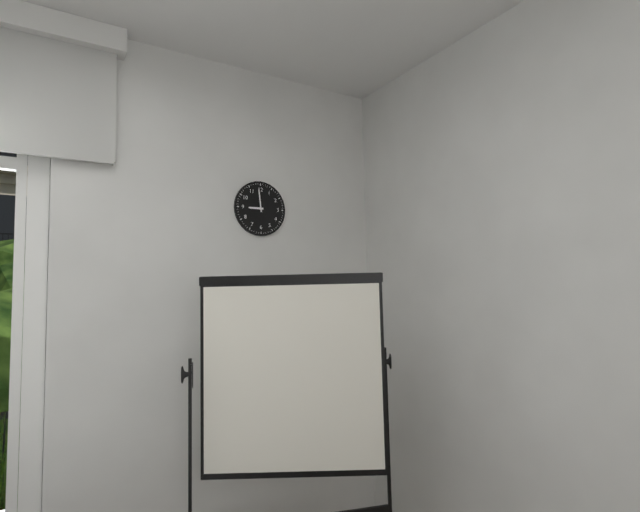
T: 8:59
